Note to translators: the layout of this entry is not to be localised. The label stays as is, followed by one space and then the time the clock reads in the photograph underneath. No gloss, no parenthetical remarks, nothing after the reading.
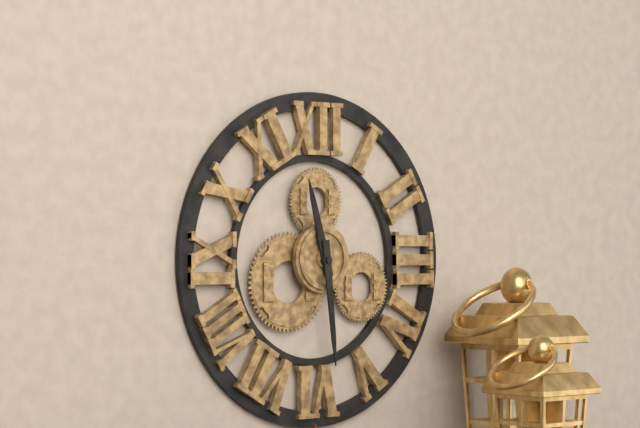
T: 11:29
